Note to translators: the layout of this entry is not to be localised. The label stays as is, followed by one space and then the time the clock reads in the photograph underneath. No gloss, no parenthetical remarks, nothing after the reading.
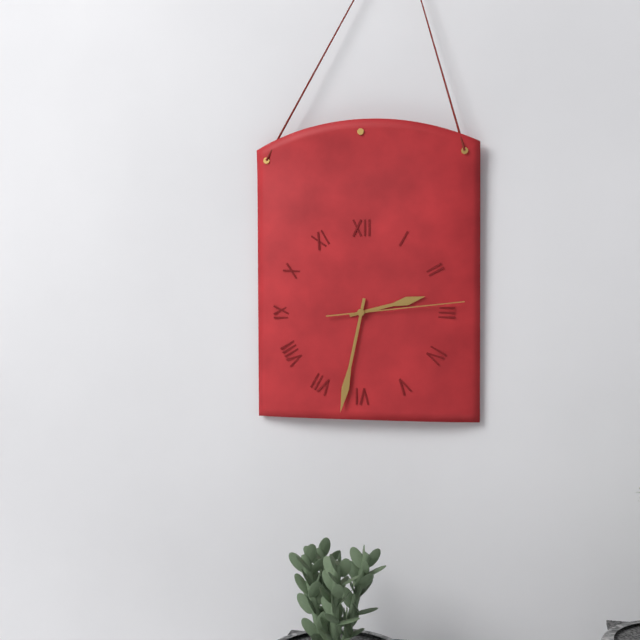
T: 2:32:14
